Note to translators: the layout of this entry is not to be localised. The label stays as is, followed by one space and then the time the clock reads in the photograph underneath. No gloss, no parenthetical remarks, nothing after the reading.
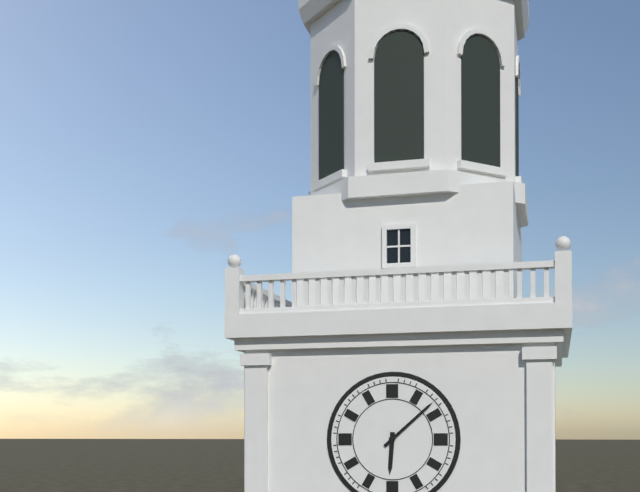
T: 6:08
